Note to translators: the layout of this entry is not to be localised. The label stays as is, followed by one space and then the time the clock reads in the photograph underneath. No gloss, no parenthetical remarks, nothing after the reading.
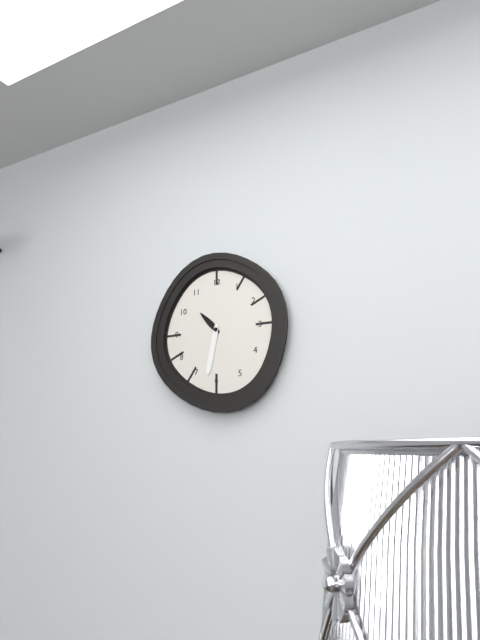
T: 10:32
